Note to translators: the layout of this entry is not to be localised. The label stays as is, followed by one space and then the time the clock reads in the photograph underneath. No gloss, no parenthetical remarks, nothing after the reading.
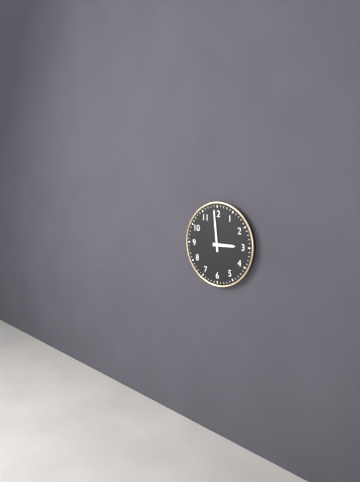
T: 2:59
